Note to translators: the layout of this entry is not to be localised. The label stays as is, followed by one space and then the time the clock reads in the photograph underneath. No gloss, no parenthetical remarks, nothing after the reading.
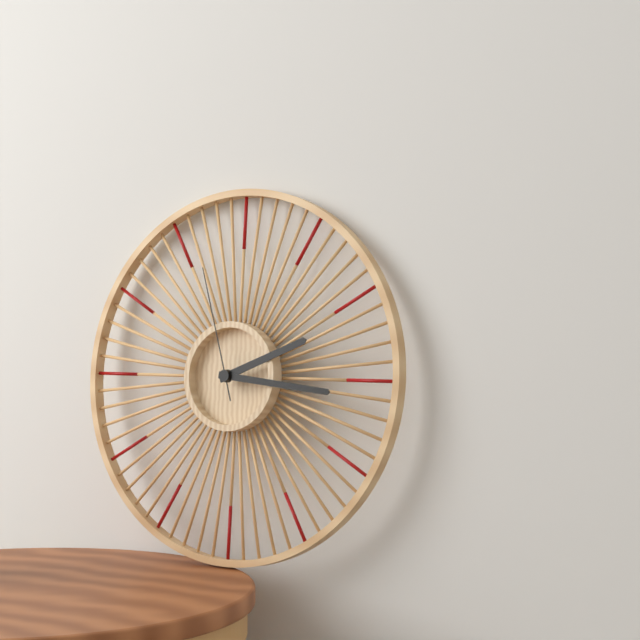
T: 2:16:57
